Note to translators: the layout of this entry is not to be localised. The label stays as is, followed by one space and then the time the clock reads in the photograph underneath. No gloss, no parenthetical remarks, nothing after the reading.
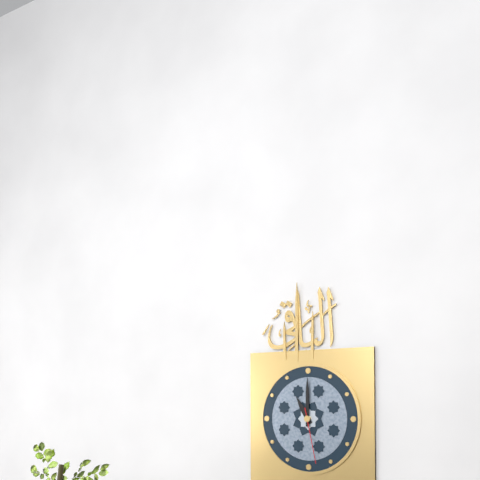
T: 11:00:28
